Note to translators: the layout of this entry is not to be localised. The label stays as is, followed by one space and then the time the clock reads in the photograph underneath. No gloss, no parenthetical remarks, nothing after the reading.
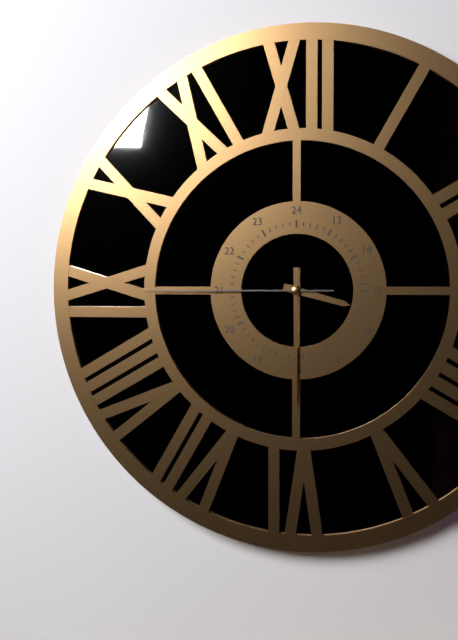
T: 3:30:45
